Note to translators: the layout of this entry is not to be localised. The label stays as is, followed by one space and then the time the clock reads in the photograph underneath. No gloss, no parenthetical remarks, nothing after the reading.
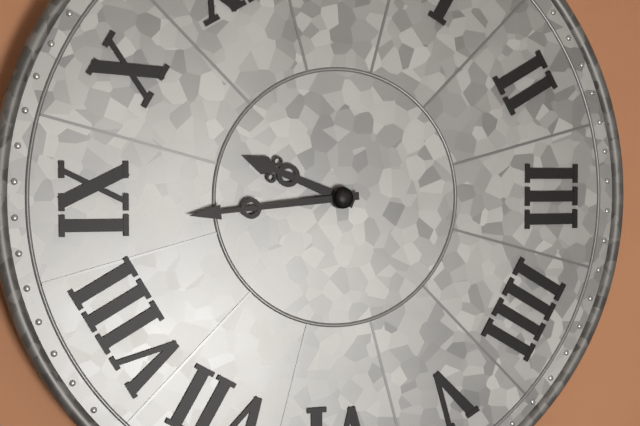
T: 9:44
